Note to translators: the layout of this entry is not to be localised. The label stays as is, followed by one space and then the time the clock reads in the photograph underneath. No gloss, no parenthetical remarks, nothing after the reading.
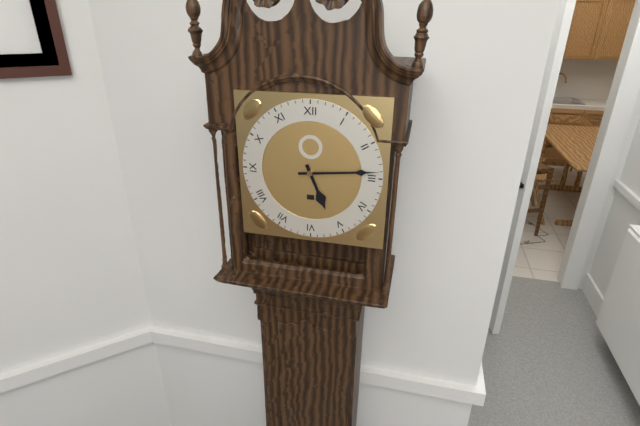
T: 5:14
